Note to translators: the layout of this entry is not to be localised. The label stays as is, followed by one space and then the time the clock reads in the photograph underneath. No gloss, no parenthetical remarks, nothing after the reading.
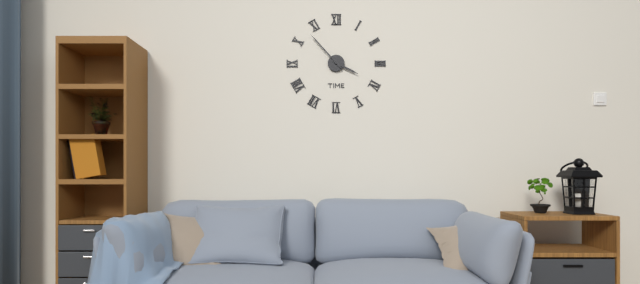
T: 3:53
